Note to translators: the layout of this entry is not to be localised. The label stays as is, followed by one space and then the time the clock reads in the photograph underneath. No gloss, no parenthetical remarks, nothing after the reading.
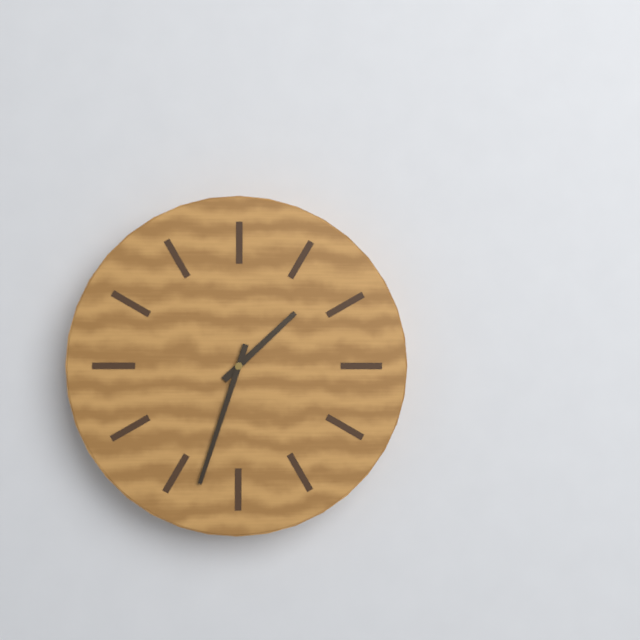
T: 1:33
